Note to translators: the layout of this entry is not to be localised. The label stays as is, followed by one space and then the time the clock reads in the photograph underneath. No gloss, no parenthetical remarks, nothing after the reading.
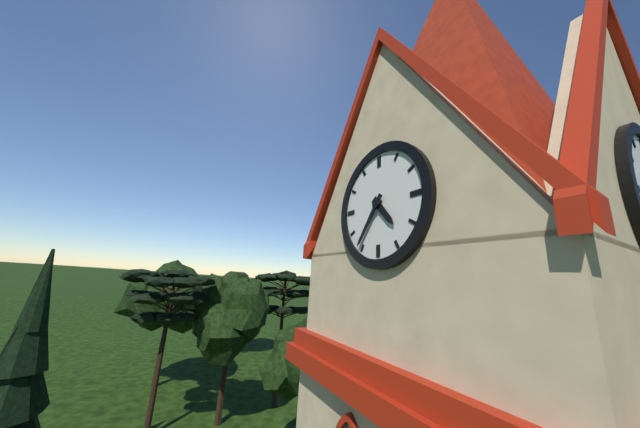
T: 4:36
